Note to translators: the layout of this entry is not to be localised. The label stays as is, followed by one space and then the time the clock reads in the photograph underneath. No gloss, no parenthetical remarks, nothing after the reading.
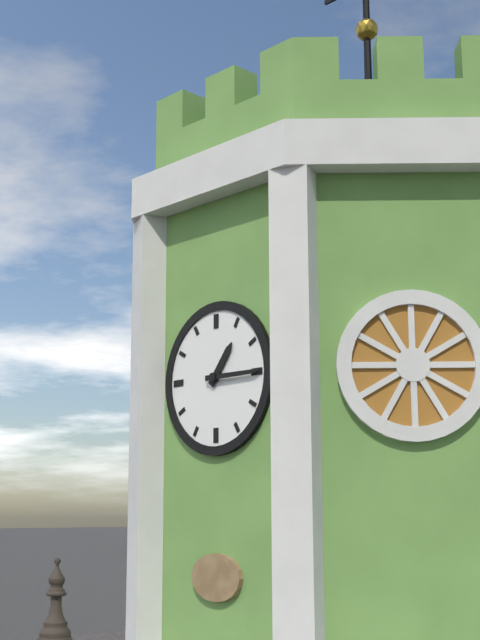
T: 1:15
